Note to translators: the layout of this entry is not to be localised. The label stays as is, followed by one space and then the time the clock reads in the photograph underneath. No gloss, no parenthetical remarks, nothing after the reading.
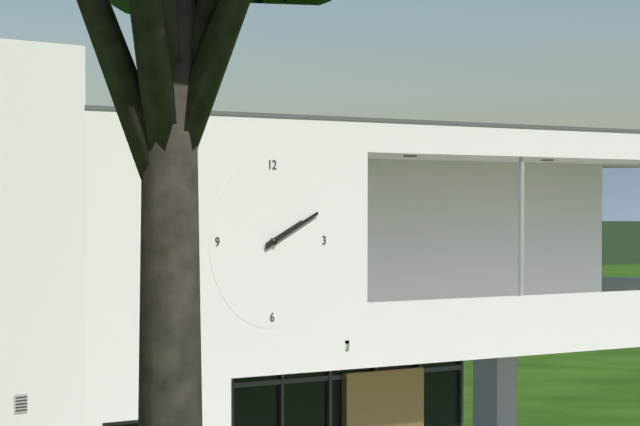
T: 2:11
